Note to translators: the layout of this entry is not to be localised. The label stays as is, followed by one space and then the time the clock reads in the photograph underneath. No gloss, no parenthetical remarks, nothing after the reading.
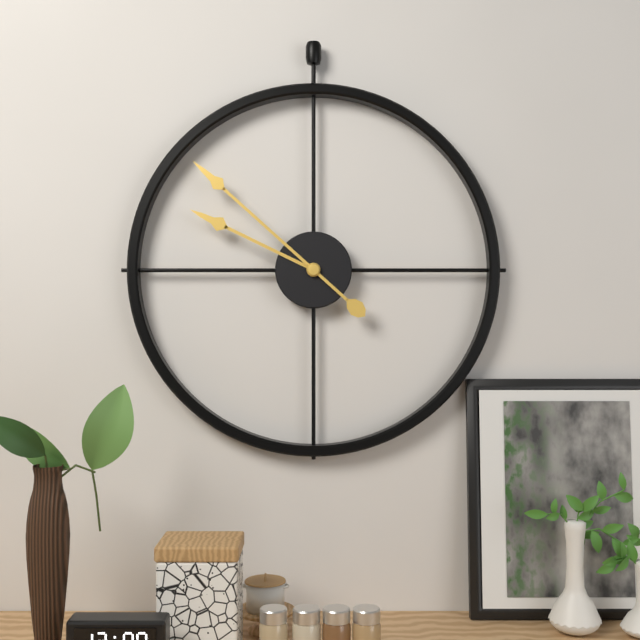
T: 9:52
